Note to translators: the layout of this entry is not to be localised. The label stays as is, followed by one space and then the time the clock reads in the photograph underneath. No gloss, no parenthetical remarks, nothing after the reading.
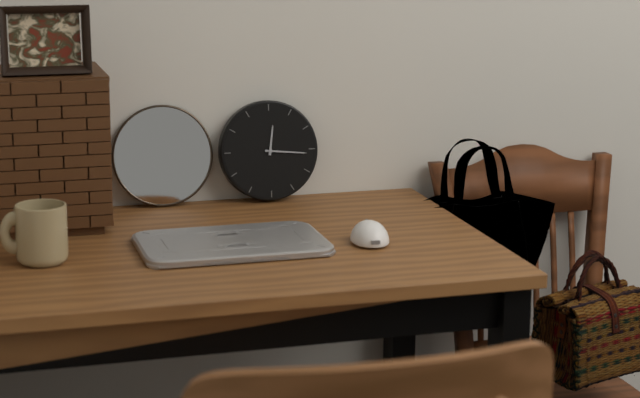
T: 12:16
